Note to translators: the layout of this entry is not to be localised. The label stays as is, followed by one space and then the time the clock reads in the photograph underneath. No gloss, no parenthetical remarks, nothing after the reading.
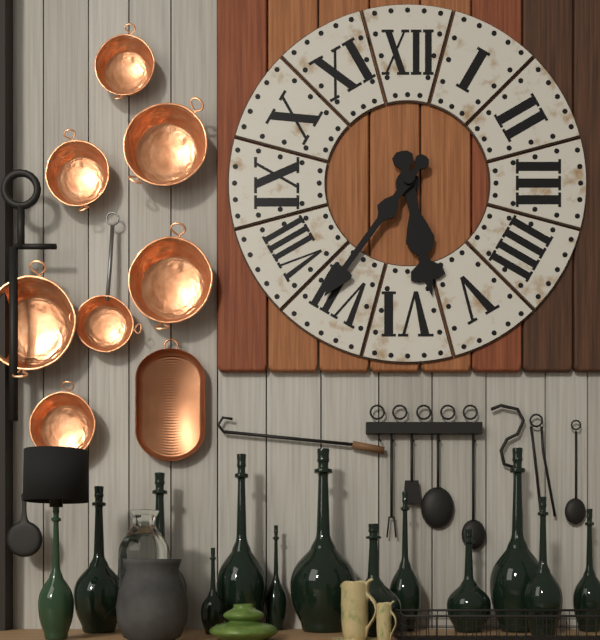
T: 5:36
